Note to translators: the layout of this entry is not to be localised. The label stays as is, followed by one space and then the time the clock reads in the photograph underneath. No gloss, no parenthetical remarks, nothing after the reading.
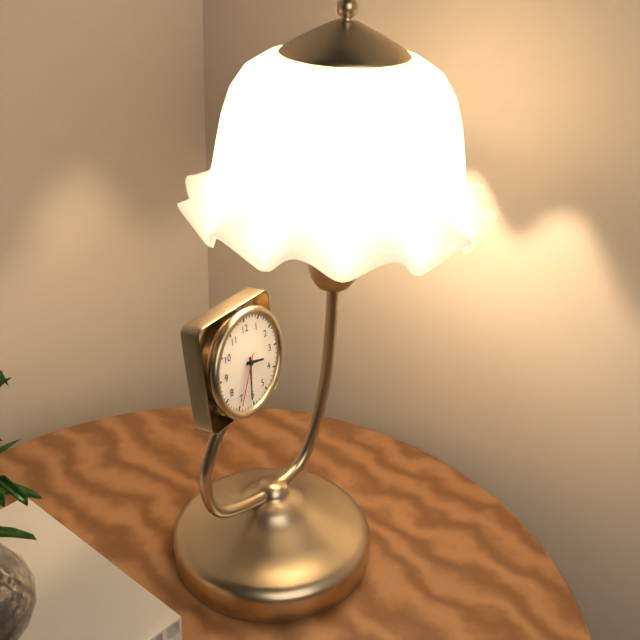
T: 3:31:35
